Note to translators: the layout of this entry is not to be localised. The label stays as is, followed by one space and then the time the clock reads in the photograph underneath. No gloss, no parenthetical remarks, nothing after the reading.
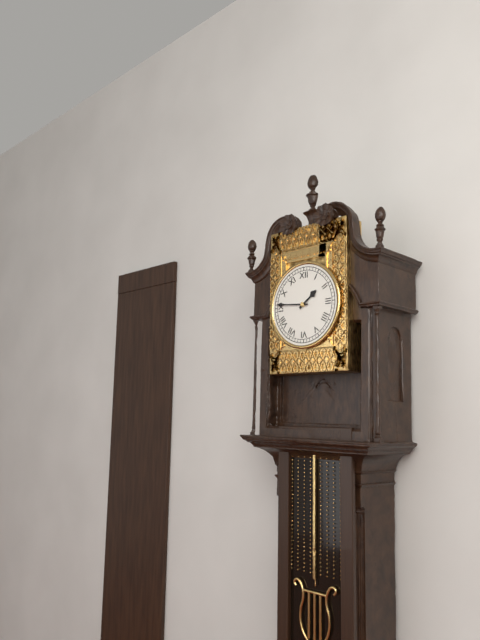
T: 1:46
